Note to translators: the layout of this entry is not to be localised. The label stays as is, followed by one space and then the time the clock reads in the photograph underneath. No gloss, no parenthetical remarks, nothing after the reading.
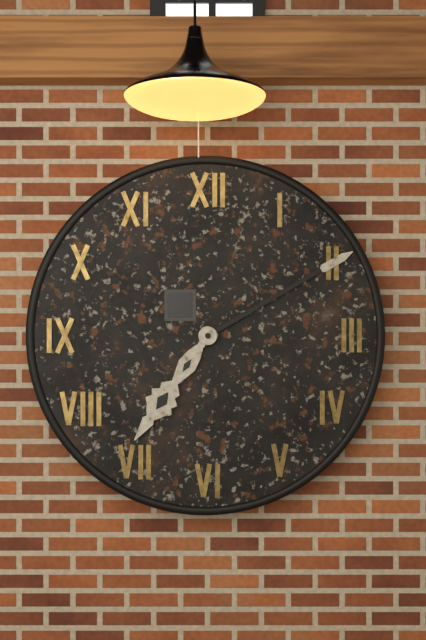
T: 7:10
